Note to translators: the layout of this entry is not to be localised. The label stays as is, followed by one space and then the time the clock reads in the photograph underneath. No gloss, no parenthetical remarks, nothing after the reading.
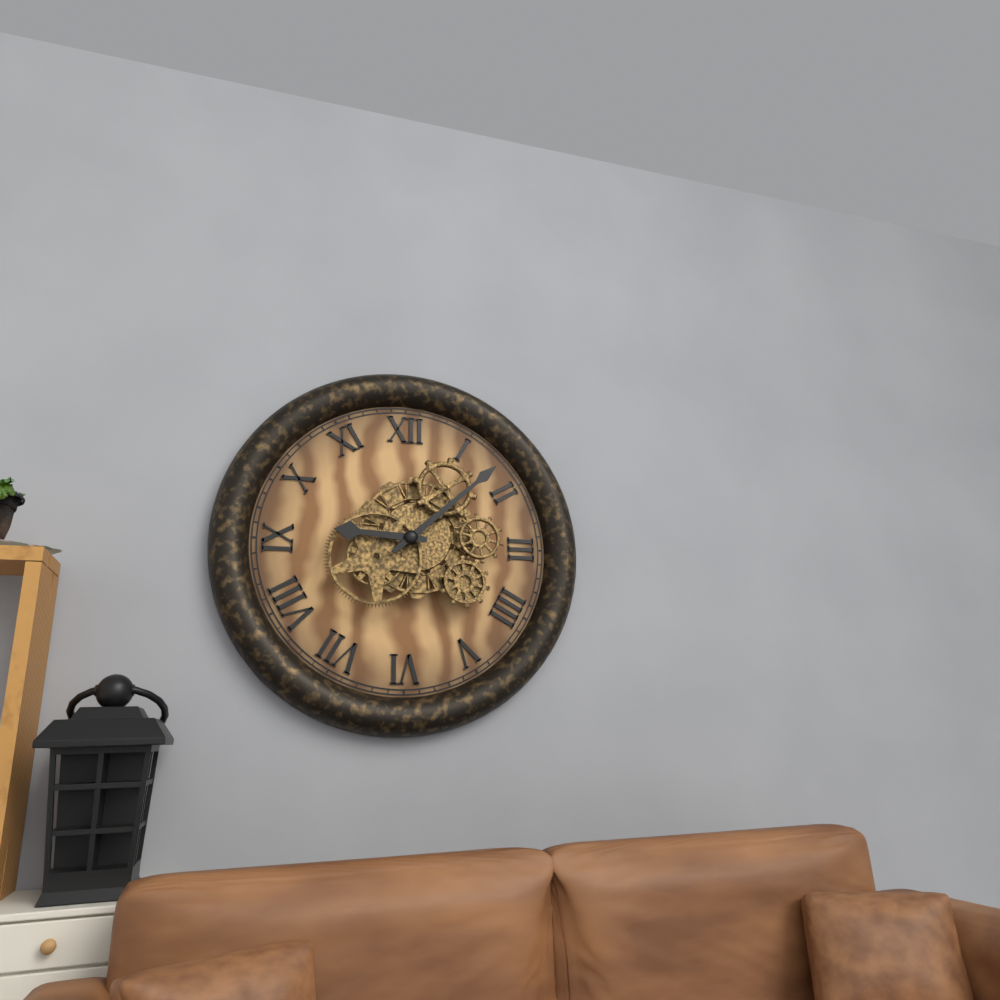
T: 9:08
